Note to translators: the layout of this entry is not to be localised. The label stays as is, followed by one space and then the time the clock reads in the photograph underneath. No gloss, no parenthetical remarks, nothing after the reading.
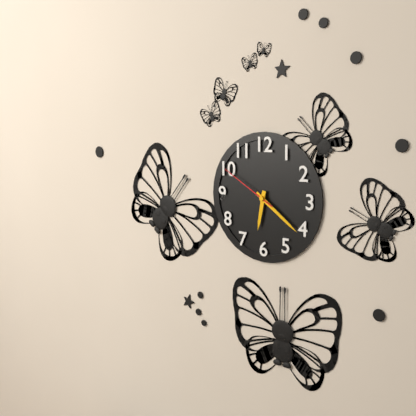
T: 6:21:50
